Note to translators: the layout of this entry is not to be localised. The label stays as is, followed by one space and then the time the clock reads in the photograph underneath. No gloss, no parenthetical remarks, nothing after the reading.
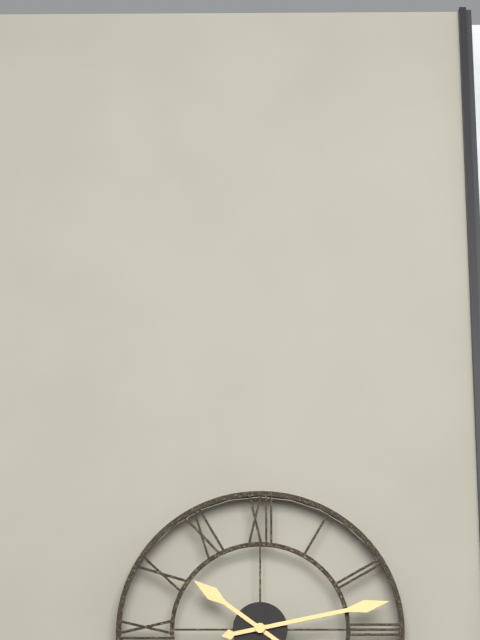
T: 10:13
